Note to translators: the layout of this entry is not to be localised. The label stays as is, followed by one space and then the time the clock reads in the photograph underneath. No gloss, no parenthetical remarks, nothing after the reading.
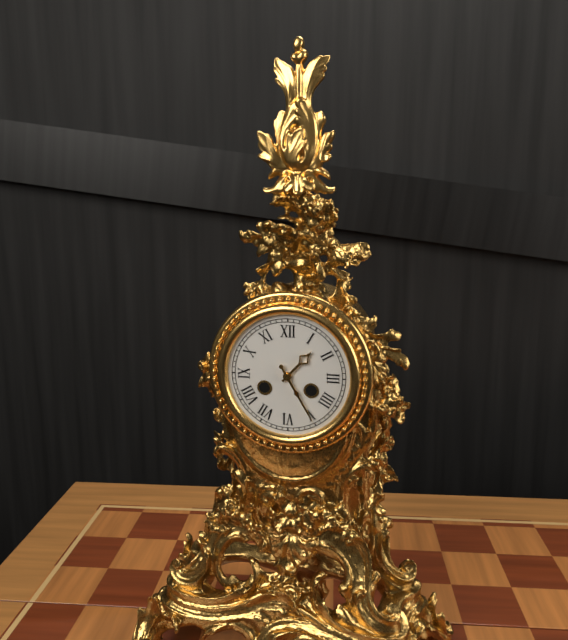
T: 1:25
